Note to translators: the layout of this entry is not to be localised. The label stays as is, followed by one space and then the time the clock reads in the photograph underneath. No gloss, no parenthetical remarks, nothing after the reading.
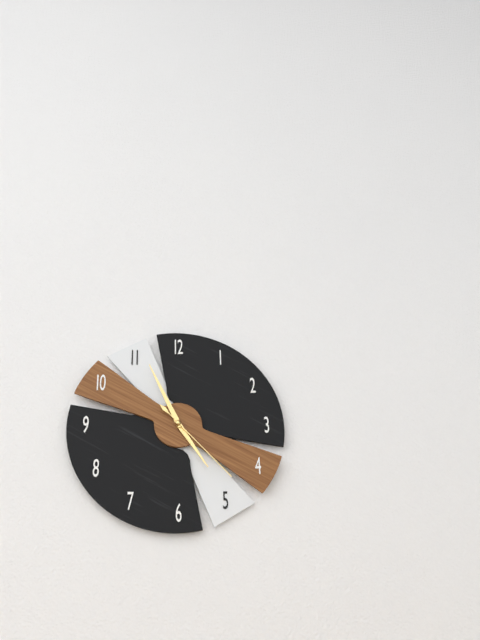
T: 4:56:23
